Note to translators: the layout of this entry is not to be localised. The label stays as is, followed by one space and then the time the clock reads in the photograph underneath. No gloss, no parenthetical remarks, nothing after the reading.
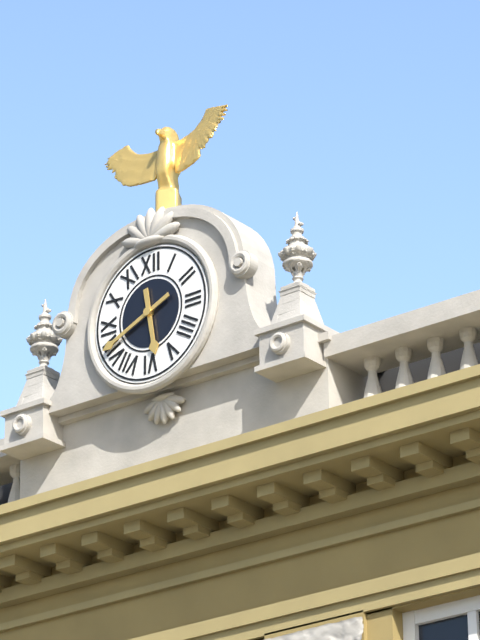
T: 5:41
